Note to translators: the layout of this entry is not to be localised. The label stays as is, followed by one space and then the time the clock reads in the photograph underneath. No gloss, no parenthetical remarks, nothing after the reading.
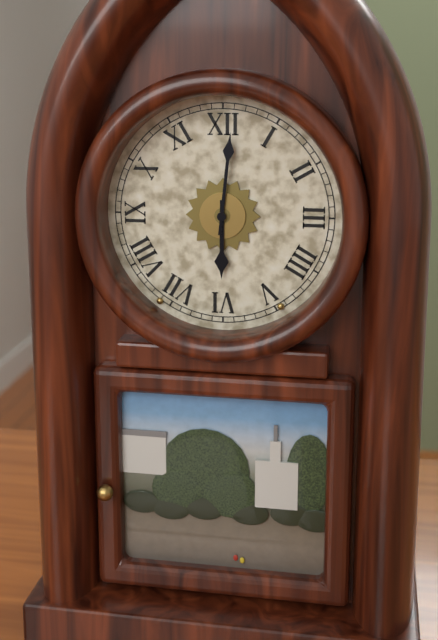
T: 6:01
